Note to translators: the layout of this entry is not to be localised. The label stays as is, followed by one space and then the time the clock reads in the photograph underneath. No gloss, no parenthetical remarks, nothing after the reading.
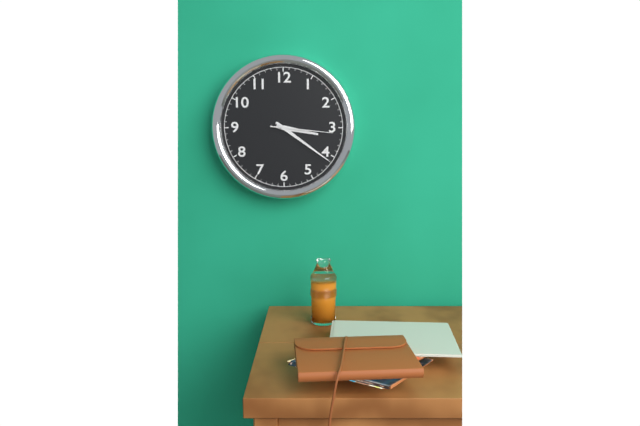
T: 3:21:16
